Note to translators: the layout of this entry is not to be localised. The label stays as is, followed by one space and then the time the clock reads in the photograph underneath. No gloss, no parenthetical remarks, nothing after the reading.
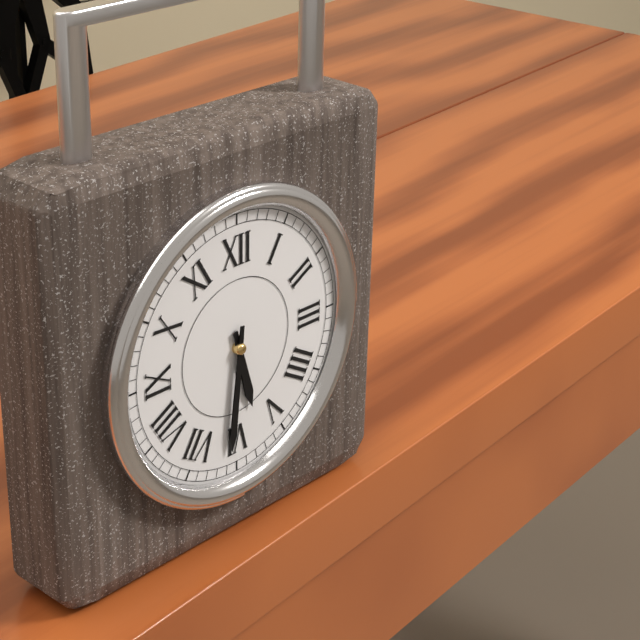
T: 5:31
